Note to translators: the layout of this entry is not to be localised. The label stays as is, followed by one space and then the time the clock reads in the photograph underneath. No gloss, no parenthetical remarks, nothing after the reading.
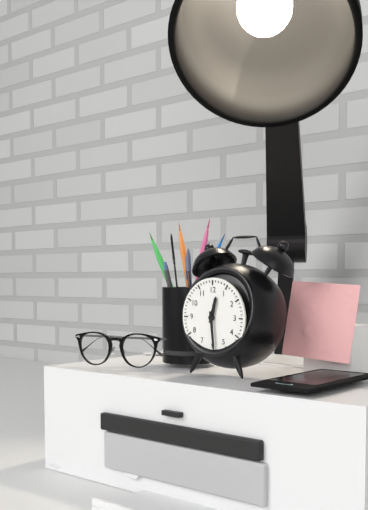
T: 12:29
